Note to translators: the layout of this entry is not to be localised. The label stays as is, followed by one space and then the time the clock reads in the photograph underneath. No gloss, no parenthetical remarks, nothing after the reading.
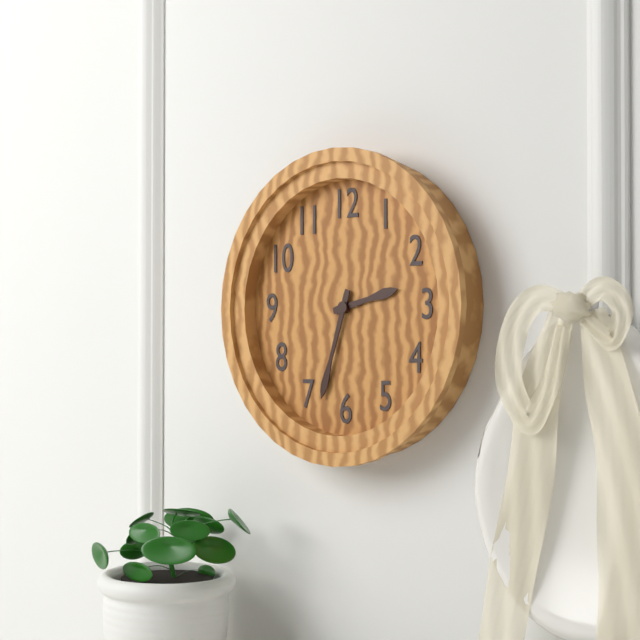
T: 2:33
